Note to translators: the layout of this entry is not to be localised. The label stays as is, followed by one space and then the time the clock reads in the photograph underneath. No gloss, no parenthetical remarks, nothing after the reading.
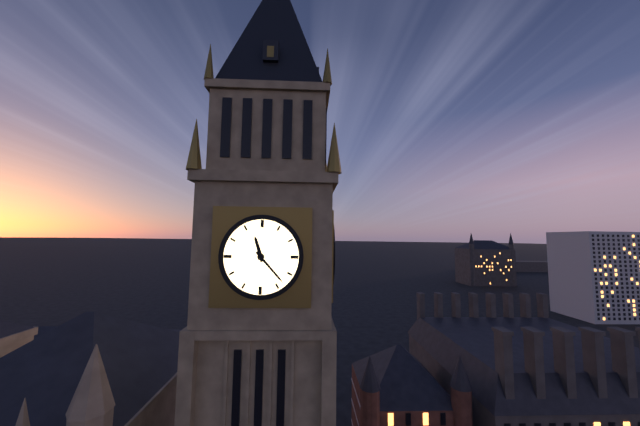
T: 11:23
